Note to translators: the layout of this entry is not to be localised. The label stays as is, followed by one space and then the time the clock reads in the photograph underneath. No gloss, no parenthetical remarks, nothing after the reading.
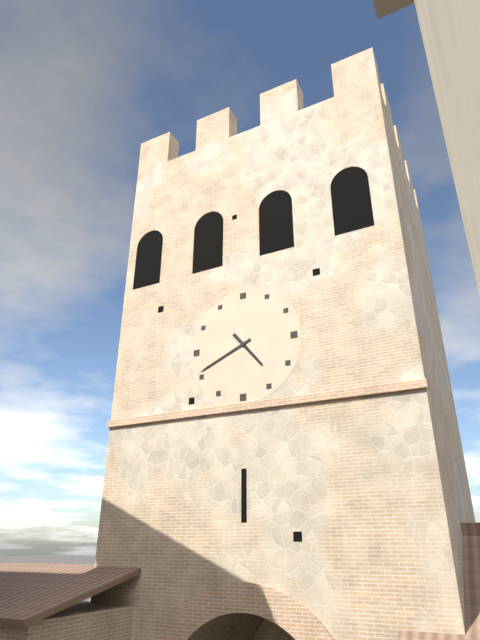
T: 4:41
